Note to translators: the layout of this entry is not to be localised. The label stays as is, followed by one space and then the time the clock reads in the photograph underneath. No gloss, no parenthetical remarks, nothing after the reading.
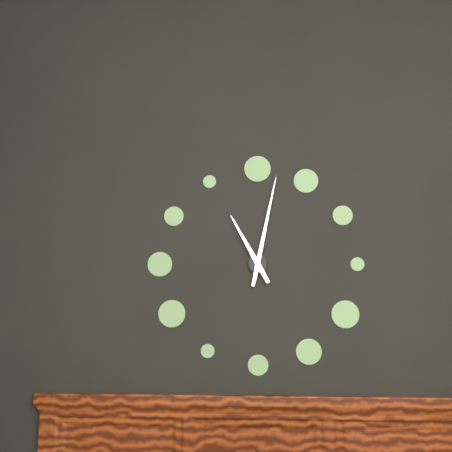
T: 11:02
